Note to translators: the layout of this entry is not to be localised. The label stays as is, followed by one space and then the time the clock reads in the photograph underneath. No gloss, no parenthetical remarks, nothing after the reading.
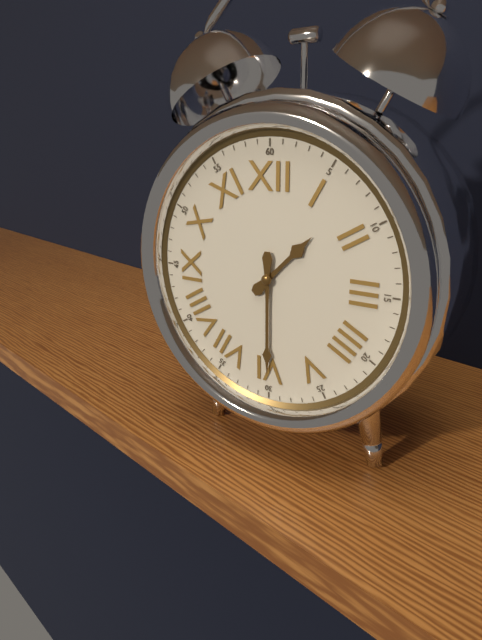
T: 1:30
